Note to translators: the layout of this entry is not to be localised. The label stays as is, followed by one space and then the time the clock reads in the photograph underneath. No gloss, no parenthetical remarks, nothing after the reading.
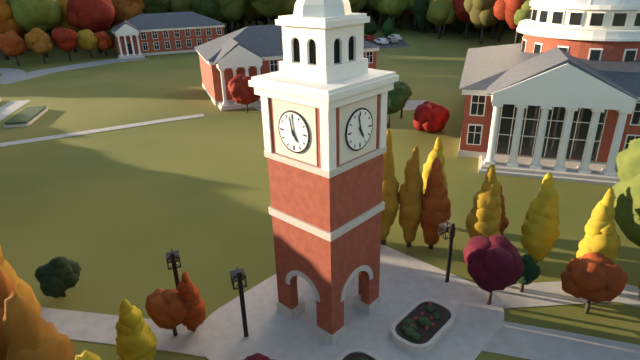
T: 4:58
